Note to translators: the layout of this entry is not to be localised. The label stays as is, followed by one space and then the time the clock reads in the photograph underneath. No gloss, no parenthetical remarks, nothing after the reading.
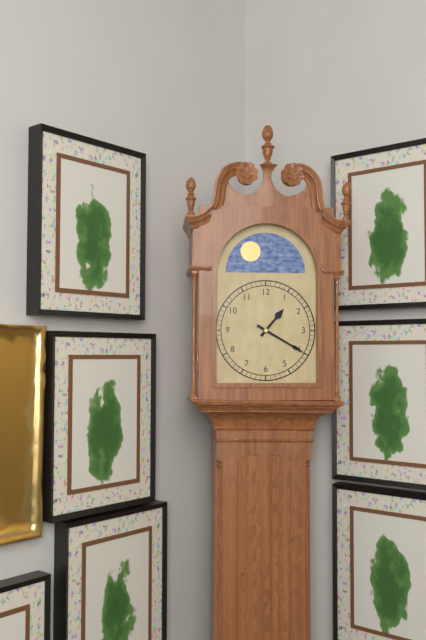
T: 1:20
